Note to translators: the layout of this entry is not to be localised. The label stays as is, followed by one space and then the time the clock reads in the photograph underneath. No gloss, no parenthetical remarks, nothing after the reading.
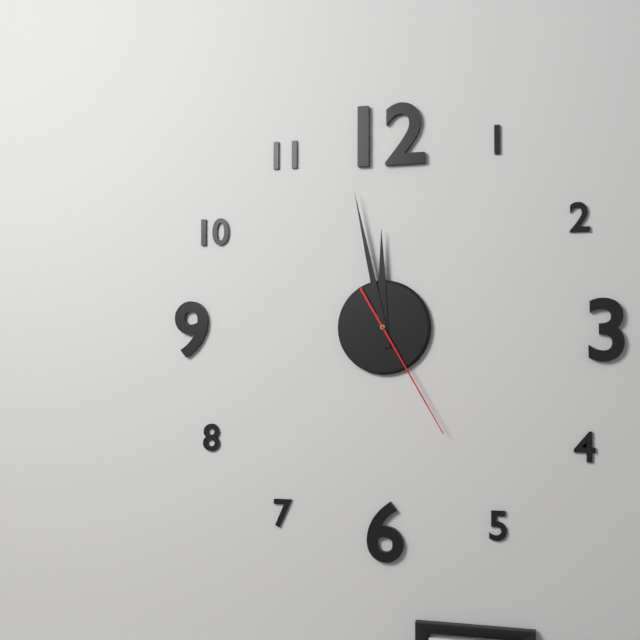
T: 11:58:25
